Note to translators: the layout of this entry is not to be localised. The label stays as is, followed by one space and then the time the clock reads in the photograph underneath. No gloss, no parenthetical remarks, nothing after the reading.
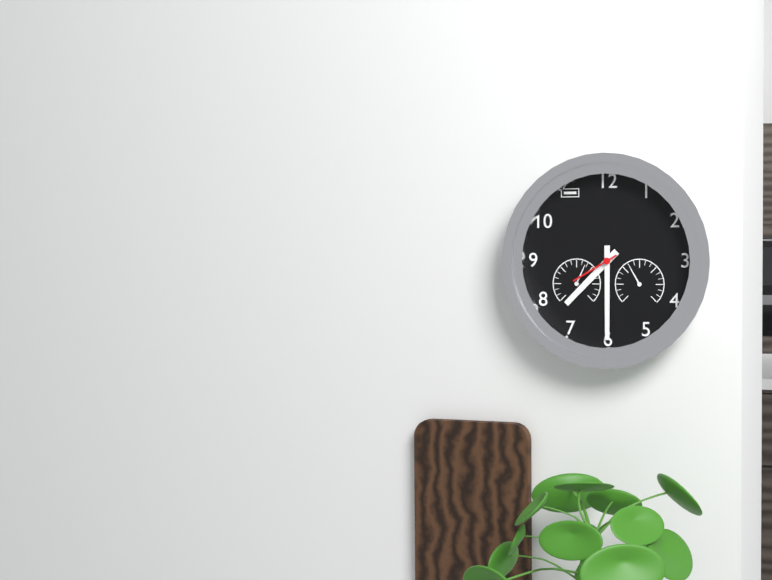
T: 7:30
